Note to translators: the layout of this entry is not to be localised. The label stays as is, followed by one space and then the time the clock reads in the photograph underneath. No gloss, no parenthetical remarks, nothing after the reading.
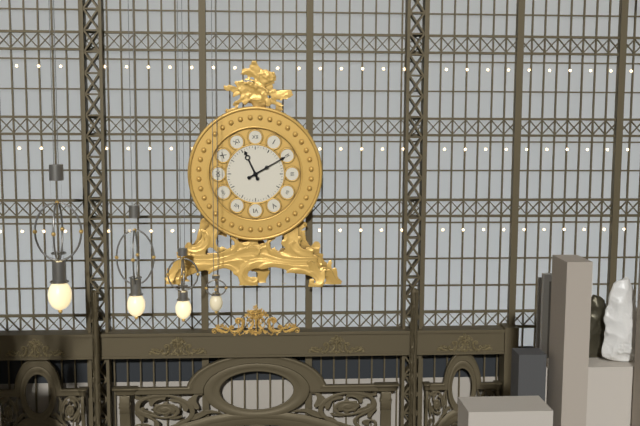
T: 11:10
